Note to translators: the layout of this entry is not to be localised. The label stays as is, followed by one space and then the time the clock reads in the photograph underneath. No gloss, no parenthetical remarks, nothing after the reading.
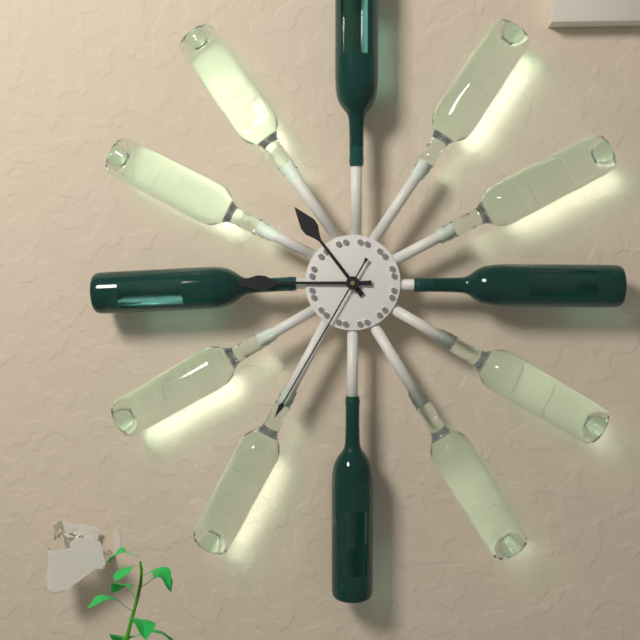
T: 10:45:35
